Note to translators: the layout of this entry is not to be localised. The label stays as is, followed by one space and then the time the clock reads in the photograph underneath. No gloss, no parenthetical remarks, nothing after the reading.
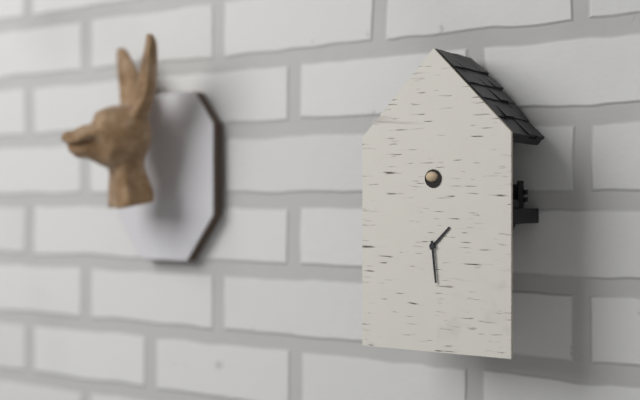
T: 1:29
